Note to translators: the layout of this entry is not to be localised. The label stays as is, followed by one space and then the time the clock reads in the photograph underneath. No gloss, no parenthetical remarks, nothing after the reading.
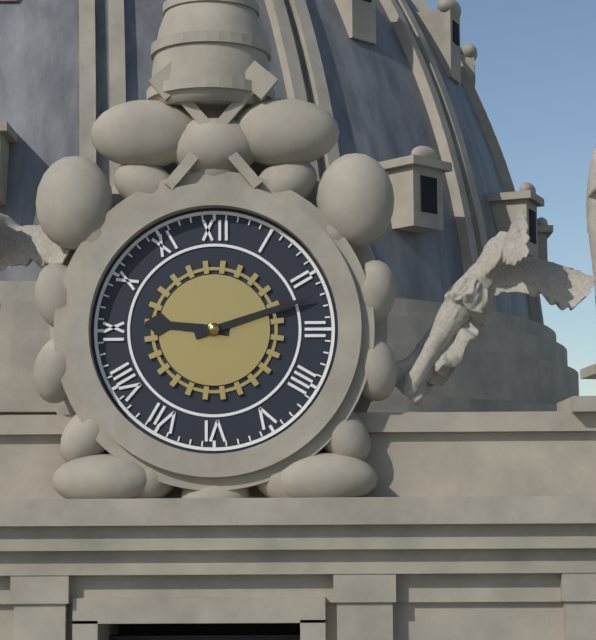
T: 9:12
